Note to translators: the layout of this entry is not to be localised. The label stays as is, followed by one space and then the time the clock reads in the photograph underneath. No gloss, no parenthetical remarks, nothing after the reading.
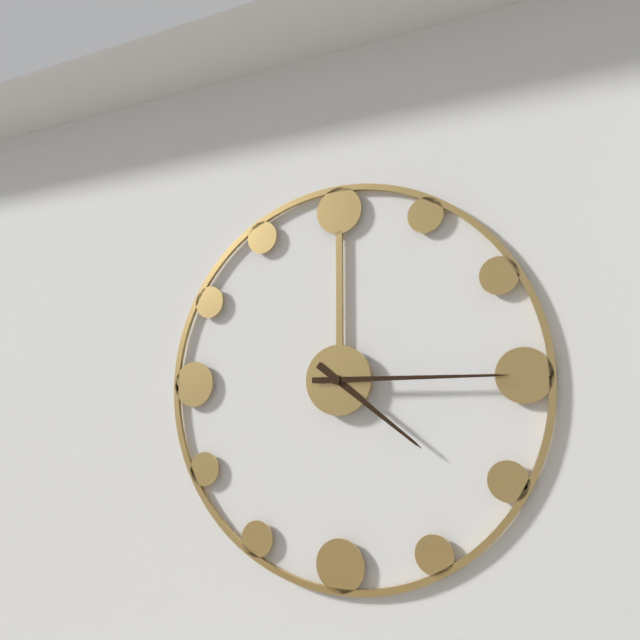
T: 4:15
